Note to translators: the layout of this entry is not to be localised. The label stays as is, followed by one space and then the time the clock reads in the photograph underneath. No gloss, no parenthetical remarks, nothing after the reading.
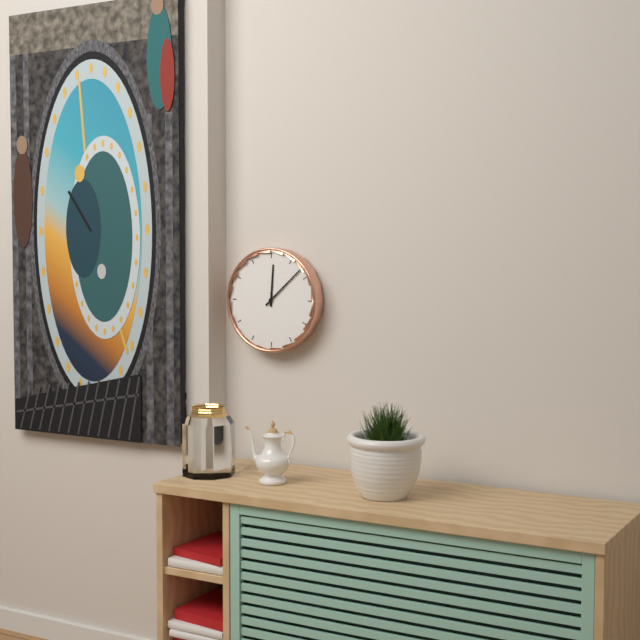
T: 12:08
